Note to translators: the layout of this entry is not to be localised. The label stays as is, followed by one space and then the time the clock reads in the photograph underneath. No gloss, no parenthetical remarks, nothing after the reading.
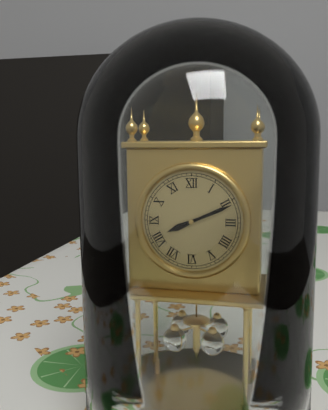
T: 8:11
